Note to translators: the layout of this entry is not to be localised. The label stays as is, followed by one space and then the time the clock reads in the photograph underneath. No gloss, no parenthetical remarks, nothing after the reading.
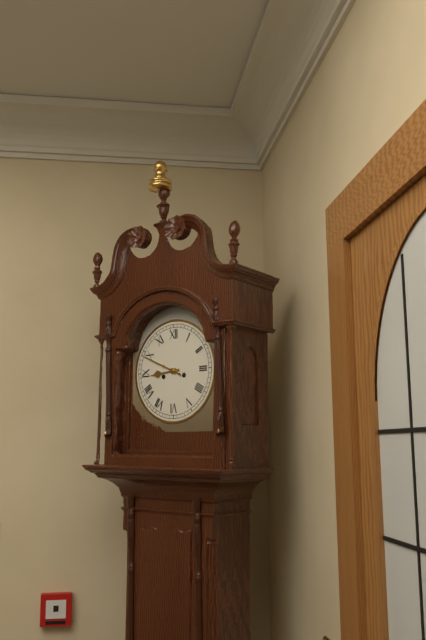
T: 8:49
